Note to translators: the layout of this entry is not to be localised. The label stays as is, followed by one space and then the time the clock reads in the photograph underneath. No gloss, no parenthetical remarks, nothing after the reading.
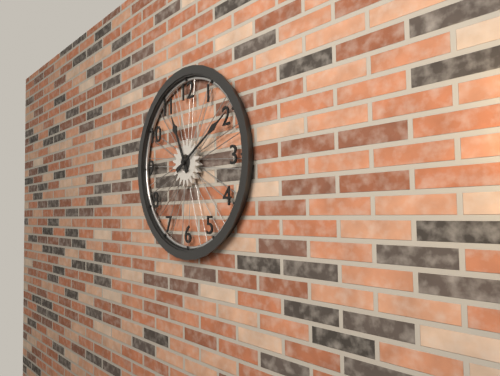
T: 11:10
